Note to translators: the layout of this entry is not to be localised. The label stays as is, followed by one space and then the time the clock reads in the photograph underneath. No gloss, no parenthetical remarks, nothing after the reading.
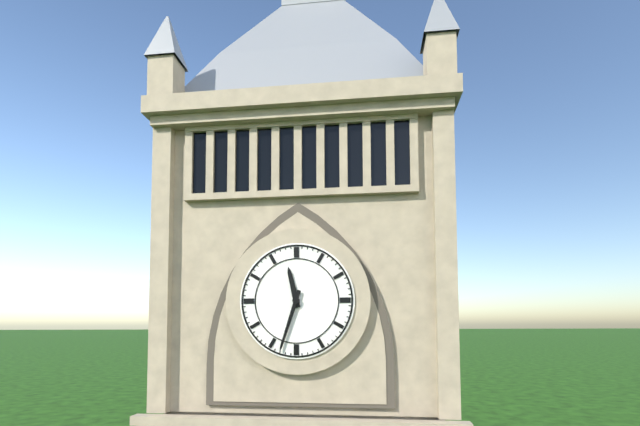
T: 11:33
